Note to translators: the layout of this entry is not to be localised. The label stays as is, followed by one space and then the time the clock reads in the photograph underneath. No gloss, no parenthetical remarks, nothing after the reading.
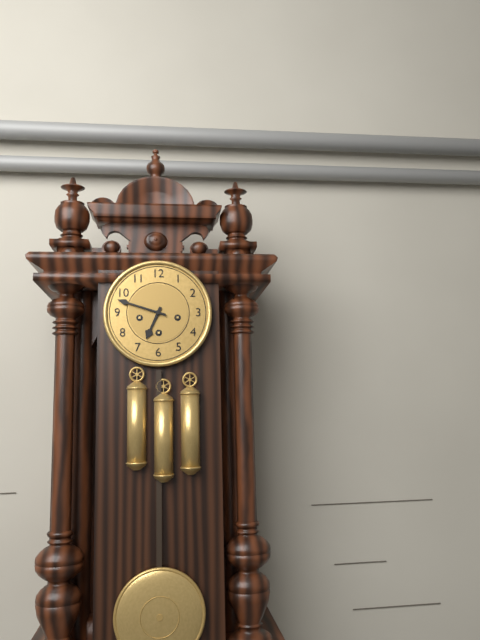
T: 6:48
